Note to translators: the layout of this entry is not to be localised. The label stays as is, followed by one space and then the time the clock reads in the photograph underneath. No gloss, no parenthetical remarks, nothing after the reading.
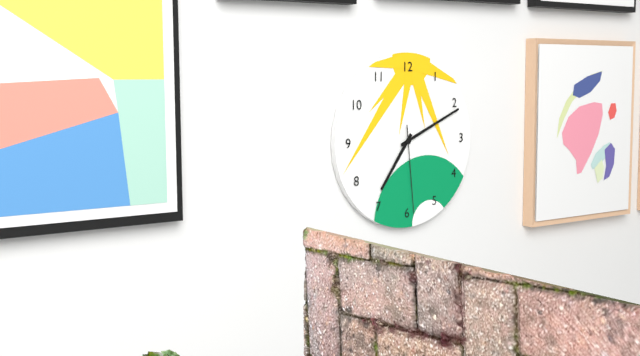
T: 7:11:29
